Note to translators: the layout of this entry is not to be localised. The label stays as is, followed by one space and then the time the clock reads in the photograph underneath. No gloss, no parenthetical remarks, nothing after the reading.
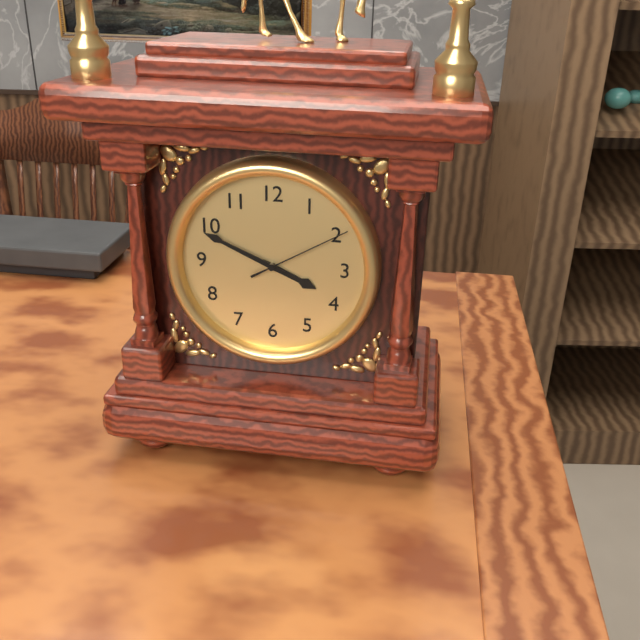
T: 3:49:10
